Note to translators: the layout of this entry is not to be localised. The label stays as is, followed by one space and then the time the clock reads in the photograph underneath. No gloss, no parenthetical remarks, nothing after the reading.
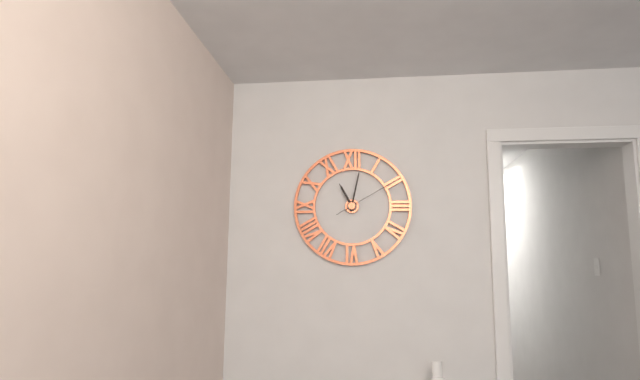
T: 11:02:10
